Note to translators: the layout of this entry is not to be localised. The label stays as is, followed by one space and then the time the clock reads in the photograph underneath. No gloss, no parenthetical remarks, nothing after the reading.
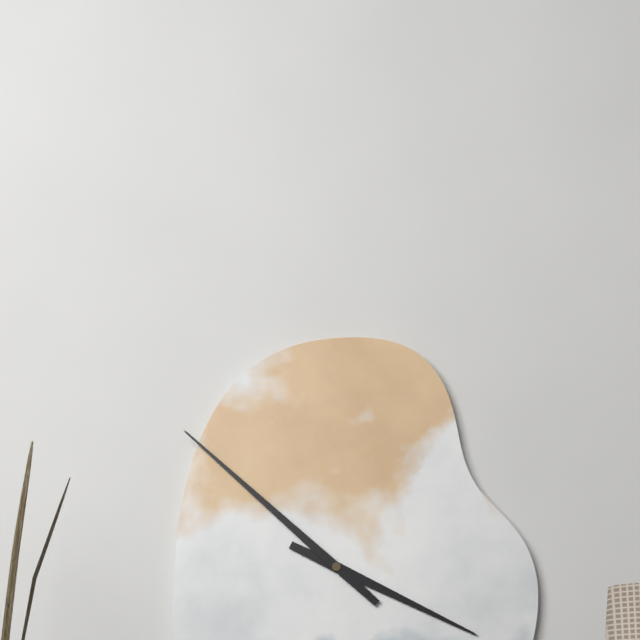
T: 3:52
